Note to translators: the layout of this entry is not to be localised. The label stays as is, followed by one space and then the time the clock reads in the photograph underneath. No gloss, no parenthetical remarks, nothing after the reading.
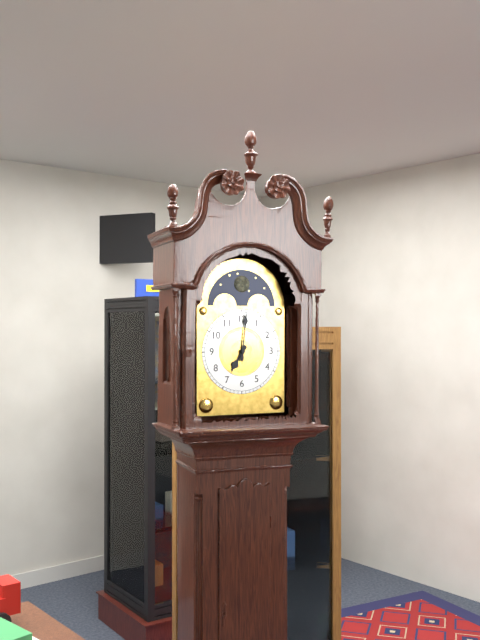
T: 7:01
